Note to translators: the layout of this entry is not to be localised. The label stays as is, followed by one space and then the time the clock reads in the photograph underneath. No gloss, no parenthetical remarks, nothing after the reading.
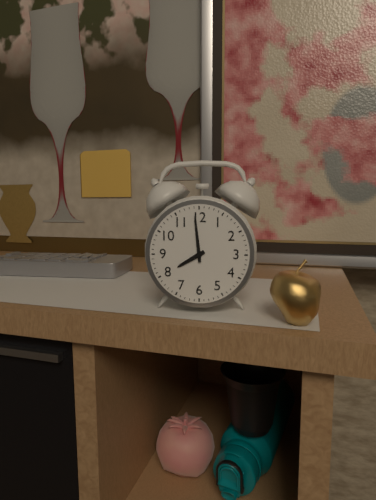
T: 7:59
